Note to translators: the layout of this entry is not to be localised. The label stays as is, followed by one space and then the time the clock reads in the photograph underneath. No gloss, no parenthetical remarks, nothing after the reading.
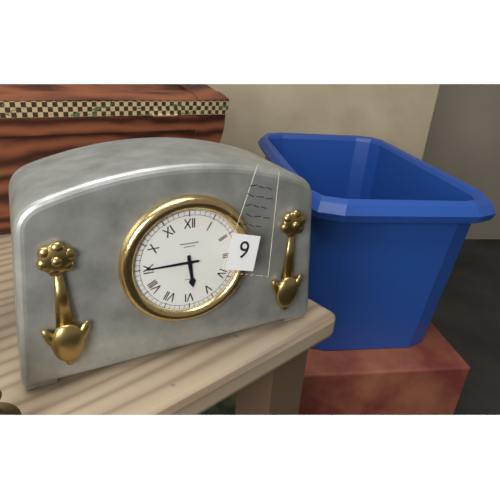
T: 5:45
